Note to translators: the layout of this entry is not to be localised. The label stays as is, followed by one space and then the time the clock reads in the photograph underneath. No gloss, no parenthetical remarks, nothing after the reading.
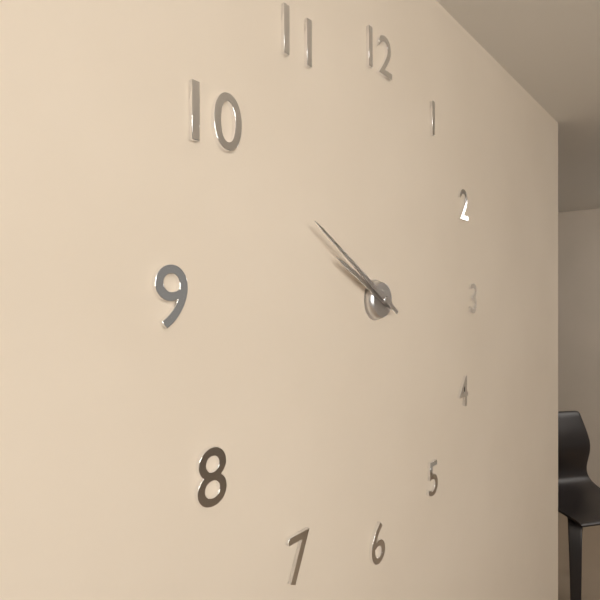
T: 9:50
